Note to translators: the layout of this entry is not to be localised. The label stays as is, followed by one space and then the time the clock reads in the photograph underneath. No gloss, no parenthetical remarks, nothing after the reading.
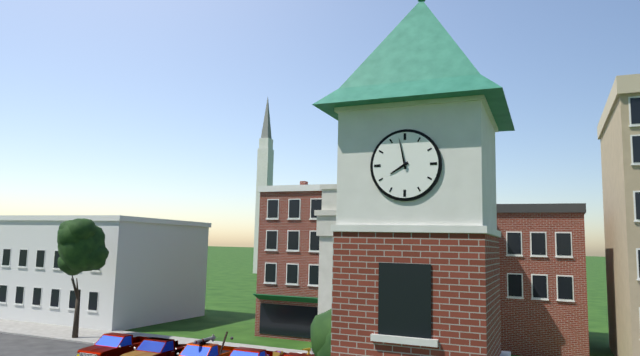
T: 7:58
